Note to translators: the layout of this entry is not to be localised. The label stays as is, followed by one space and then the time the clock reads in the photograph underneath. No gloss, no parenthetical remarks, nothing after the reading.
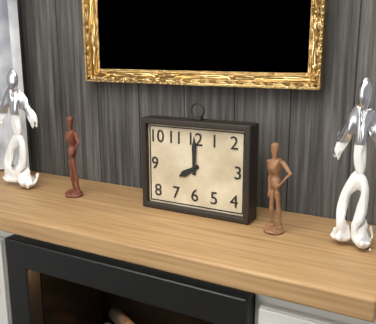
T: 8:00
